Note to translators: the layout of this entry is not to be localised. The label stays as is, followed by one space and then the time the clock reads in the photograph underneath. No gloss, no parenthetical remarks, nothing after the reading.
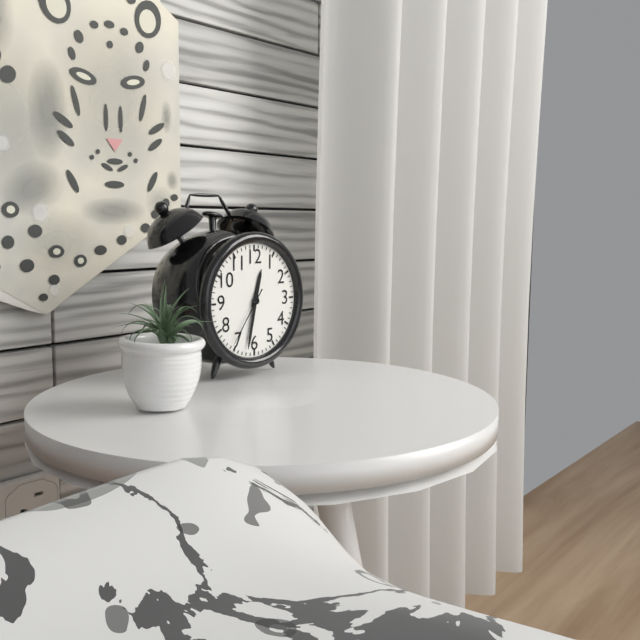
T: 12:32:36
